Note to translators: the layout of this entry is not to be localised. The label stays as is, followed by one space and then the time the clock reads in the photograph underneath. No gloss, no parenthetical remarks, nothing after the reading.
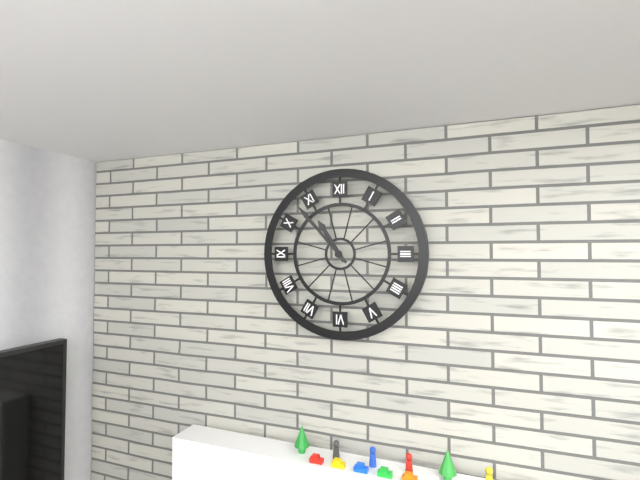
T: 10:53
